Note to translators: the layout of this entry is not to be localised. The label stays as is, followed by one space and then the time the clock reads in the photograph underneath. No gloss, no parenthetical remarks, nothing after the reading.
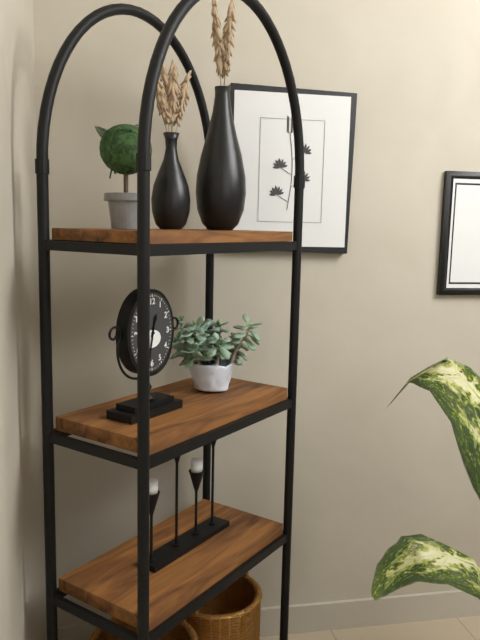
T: 12:32
